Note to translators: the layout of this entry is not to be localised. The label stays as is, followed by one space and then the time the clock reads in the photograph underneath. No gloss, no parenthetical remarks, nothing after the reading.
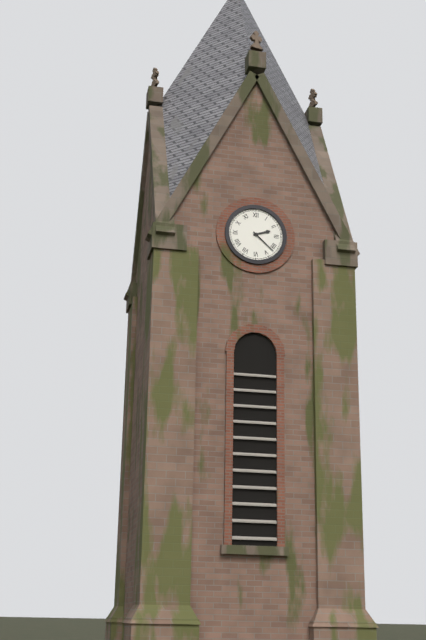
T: 2:22
